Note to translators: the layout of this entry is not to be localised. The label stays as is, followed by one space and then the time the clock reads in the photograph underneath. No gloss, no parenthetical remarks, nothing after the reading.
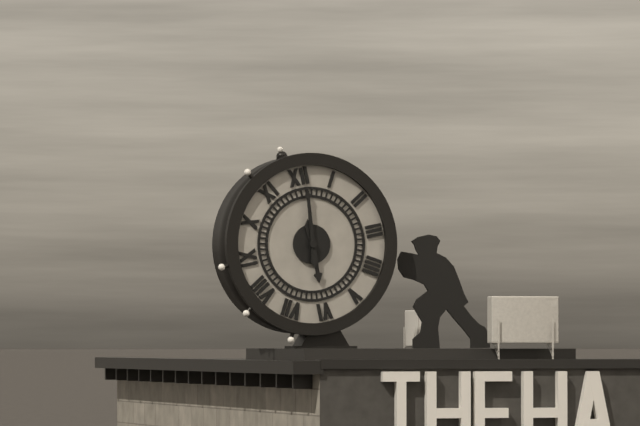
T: 6:01
